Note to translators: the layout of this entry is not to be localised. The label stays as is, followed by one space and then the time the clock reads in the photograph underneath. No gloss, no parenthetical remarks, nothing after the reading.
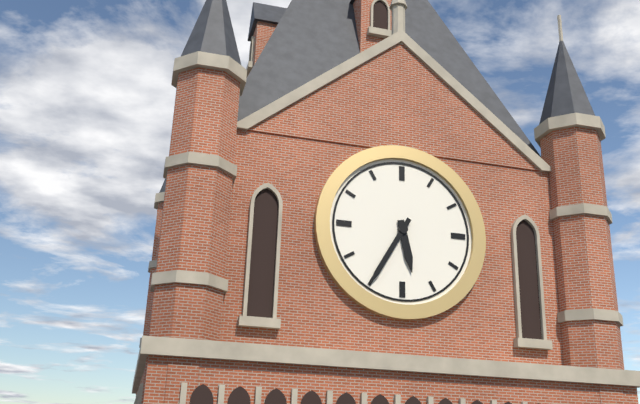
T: 5:35
